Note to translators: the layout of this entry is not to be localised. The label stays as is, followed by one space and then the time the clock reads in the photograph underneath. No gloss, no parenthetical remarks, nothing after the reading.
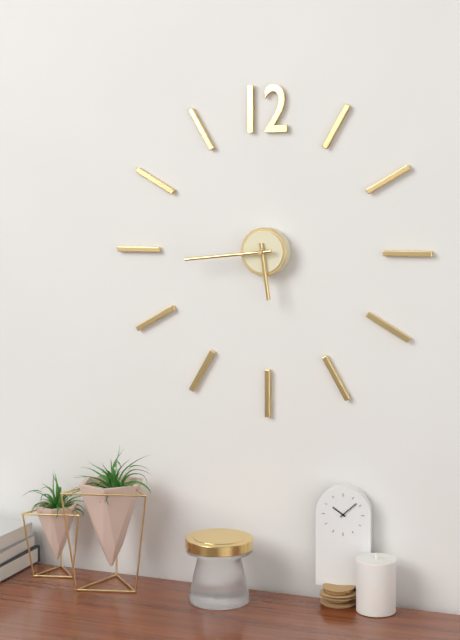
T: 5:44
